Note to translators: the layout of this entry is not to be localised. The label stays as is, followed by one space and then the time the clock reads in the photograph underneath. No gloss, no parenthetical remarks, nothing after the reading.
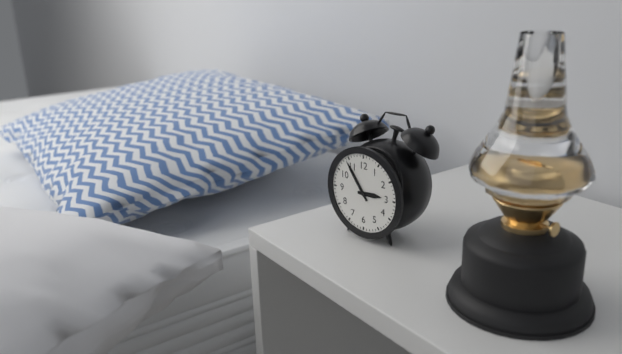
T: 2:54
